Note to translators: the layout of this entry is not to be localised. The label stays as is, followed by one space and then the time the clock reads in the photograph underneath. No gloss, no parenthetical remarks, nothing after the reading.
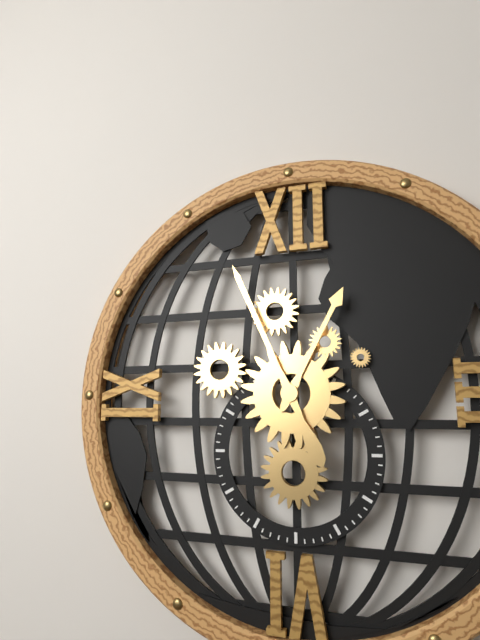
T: 12:56
